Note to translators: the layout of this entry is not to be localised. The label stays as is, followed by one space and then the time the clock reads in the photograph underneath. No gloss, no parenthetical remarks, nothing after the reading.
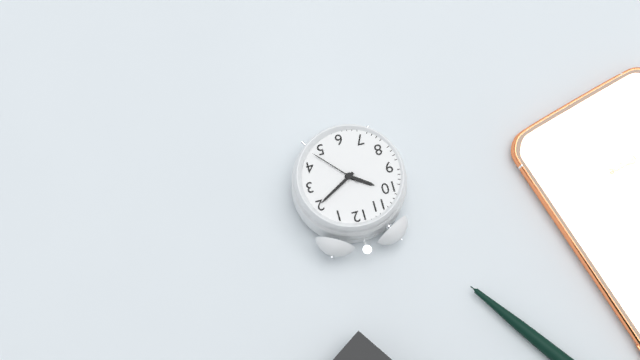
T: 10:10:23
